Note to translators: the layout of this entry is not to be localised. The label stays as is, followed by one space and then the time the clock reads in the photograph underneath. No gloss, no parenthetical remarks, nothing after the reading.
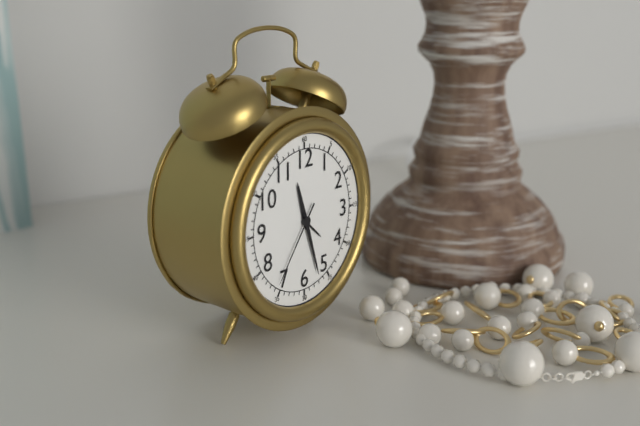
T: 11:27:36
